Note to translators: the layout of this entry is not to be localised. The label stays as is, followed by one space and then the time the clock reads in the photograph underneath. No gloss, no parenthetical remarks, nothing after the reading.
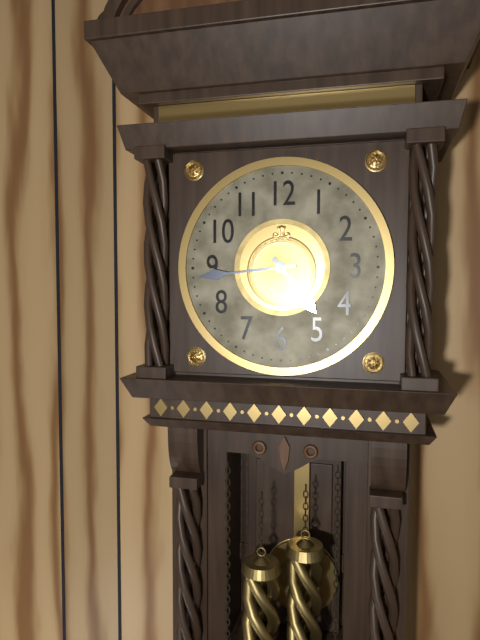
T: 4:44
